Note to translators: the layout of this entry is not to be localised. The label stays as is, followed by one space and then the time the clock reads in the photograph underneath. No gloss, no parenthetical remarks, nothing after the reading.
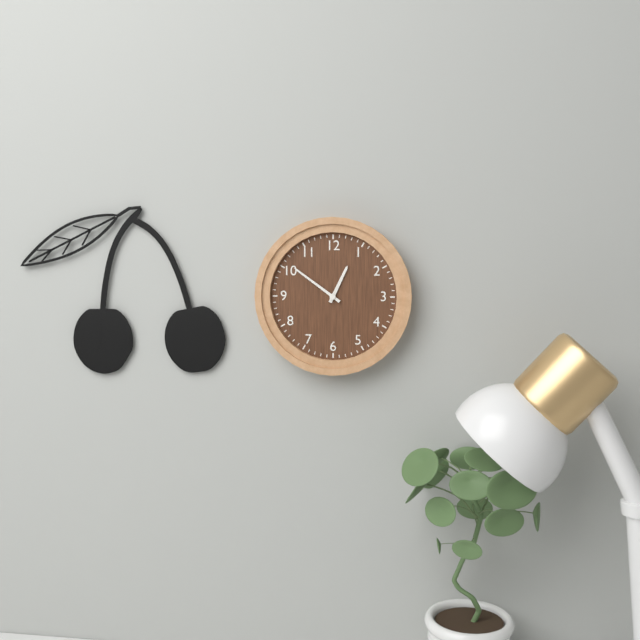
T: 12:51
